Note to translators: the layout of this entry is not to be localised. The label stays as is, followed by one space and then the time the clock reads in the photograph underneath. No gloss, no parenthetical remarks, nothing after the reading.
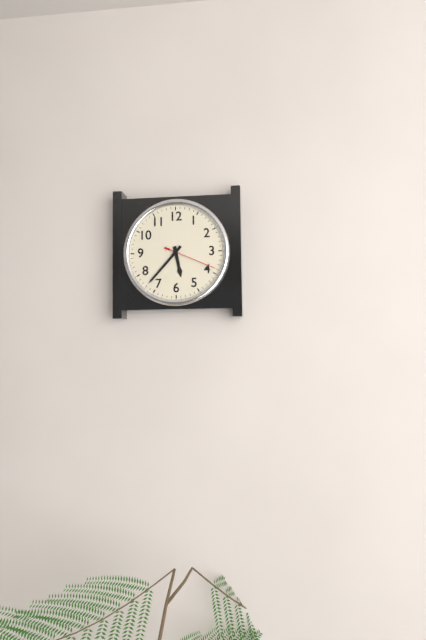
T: 5:37:19
